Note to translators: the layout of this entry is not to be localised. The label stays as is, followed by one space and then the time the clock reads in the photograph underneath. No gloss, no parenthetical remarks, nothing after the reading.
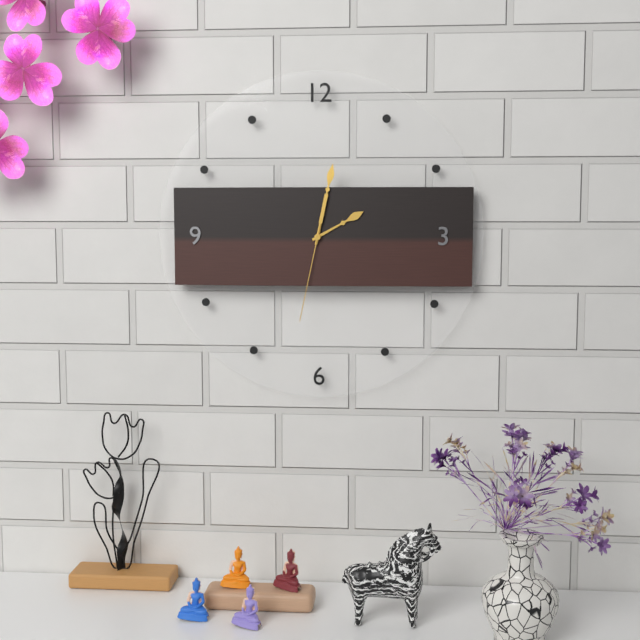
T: 2:02:32
